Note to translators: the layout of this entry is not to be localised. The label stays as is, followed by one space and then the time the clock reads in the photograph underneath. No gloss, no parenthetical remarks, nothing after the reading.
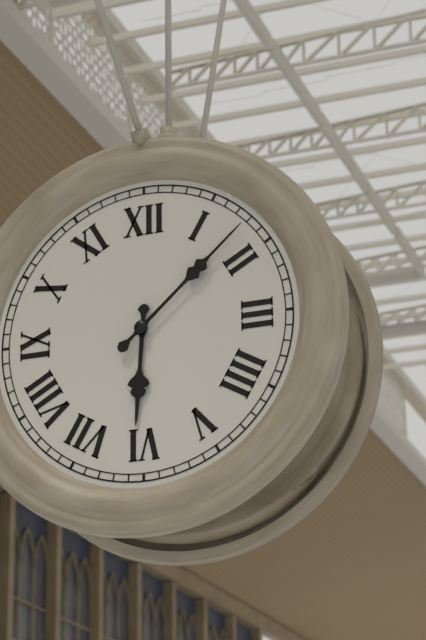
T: 6:08
